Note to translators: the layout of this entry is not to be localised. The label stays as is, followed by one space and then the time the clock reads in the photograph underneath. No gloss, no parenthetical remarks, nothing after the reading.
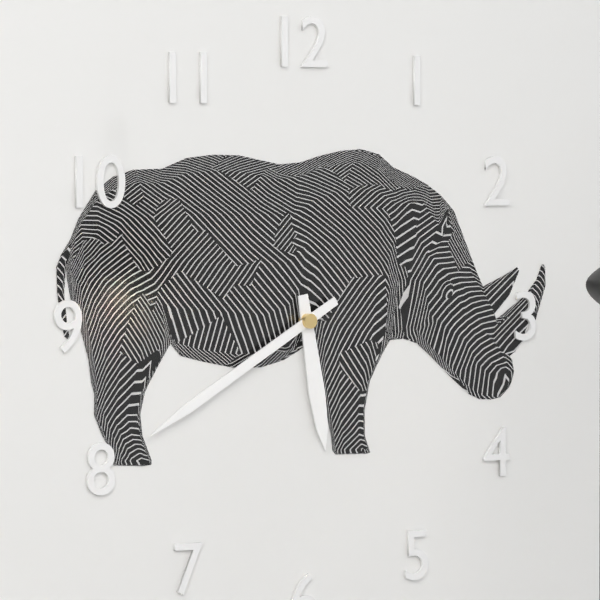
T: 5:40
